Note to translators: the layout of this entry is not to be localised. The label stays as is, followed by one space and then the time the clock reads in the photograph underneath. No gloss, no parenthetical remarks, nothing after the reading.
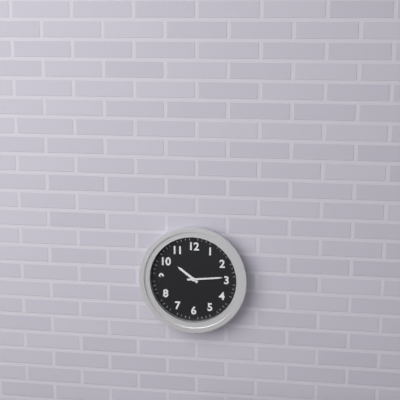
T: 10:14
